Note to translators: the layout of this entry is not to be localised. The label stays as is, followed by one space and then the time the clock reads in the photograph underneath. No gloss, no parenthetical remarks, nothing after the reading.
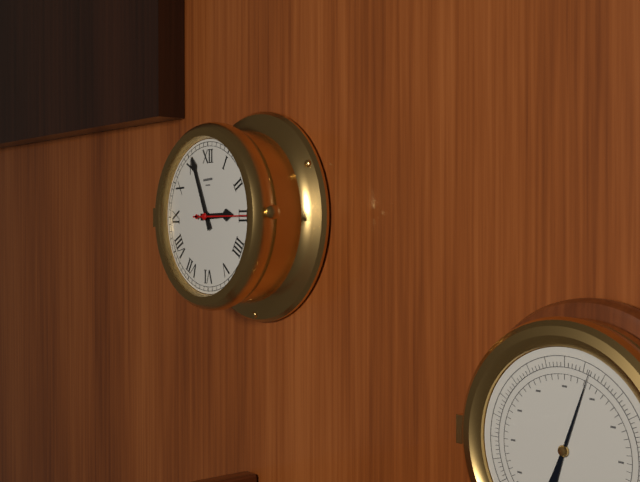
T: 2:56
